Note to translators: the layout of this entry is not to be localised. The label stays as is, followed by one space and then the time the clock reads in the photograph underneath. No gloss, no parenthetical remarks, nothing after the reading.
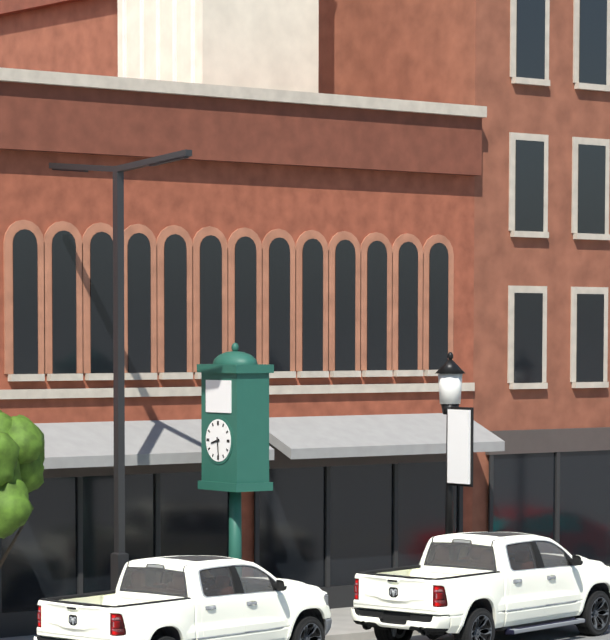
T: 8:29
